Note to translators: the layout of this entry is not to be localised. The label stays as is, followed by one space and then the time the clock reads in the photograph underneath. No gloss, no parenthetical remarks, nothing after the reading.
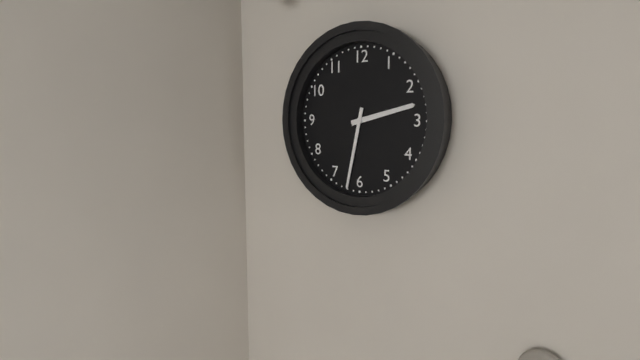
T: 2:32
